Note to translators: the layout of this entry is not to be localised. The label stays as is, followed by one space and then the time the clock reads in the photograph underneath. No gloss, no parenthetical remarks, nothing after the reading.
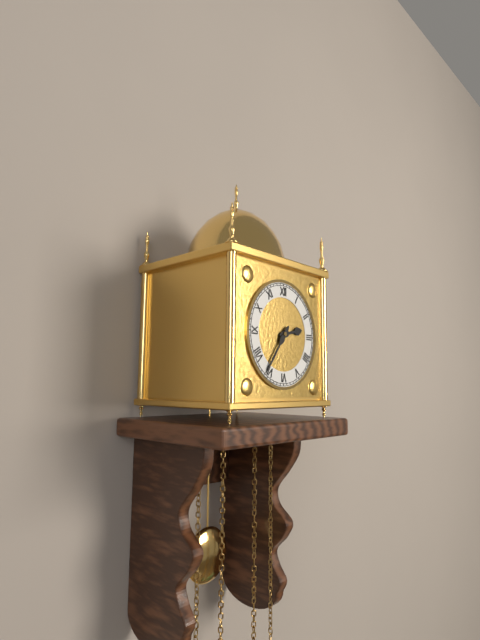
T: 2:36
